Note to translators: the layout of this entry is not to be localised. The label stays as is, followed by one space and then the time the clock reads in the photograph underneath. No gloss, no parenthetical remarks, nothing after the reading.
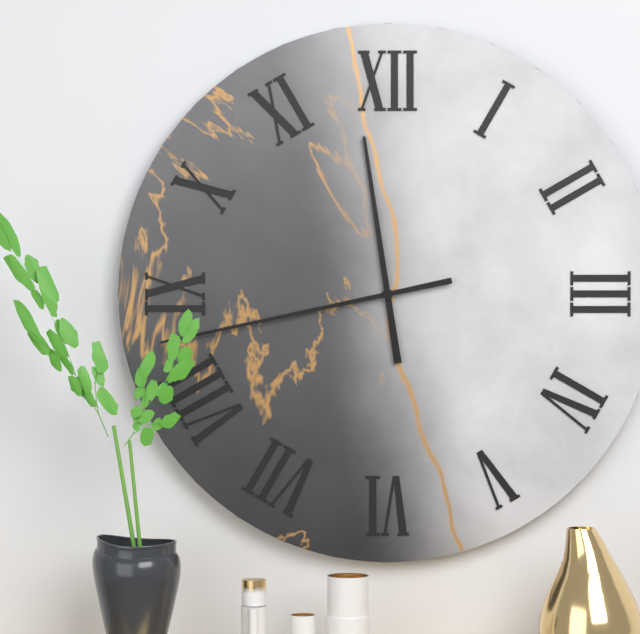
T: 11:43
